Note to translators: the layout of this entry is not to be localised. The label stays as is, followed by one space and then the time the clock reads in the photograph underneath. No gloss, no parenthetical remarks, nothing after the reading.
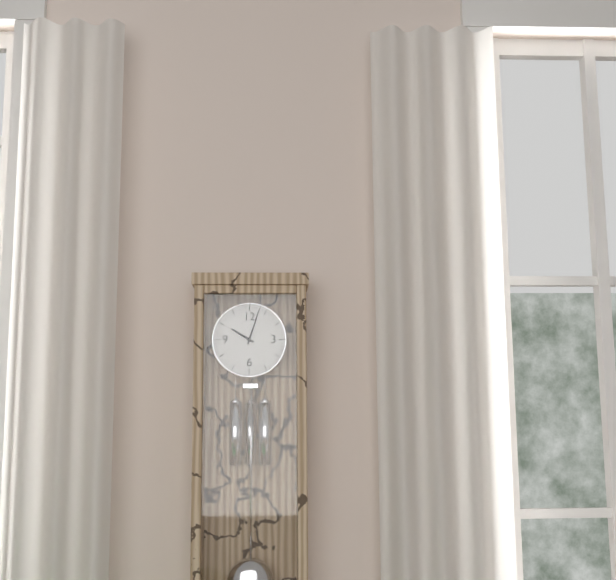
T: 10:03
